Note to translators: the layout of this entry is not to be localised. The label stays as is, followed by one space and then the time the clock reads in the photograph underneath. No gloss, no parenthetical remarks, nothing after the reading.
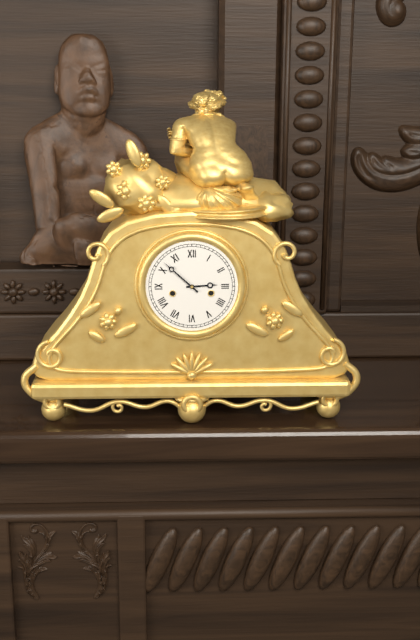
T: 2:52
